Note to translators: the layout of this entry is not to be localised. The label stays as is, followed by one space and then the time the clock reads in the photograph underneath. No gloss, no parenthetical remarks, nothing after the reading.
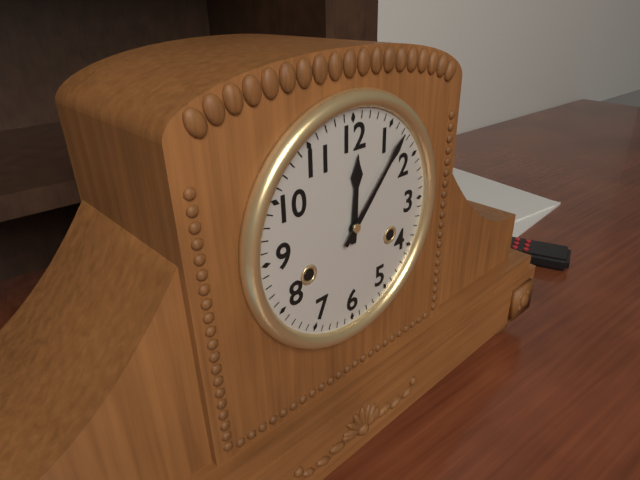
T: 12:07
